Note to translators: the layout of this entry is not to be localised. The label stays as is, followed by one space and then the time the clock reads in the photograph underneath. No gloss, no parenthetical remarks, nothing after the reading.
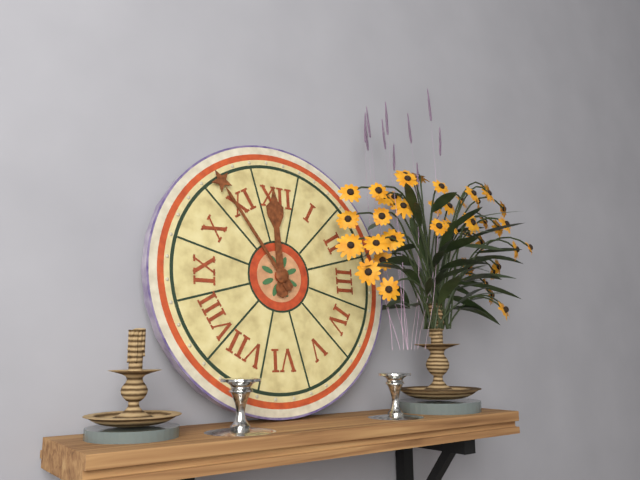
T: 11:54
